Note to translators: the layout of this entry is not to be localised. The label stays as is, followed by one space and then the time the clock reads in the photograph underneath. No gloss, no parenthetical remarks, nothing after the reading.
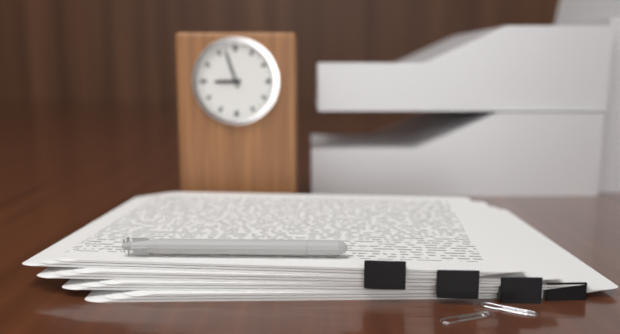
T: 8:57
